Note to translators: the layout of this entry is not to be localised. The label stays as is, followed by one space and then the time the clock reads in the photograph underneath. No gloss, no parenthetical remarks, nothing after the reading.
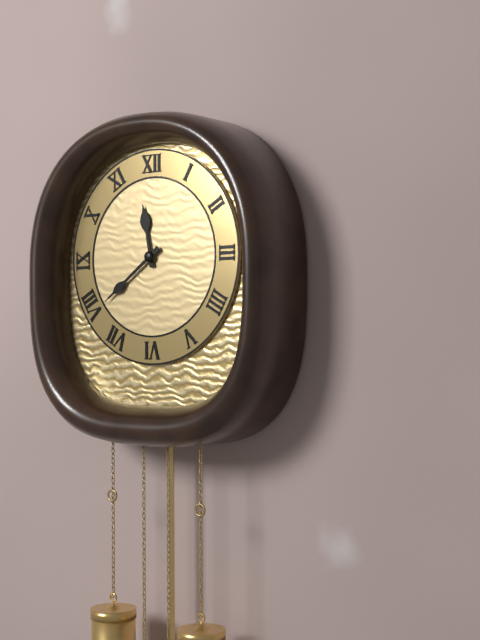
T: 11:39
